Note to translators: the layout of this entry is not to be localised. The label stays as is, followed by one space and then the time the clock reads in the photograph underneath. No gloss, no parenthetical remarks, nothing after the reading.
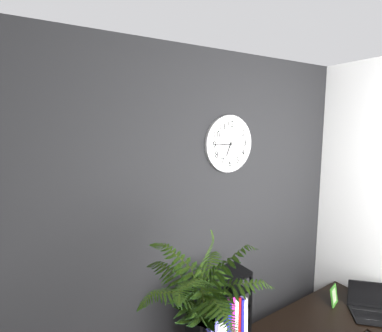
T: 6:45
